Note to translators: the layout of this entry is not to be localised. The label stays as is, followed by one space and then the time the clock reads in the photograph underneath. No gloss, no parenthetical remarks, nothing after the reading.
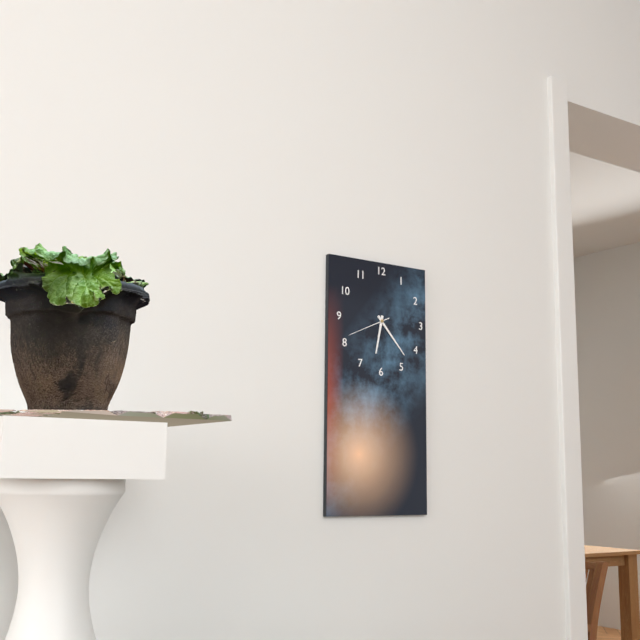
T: 6:23
